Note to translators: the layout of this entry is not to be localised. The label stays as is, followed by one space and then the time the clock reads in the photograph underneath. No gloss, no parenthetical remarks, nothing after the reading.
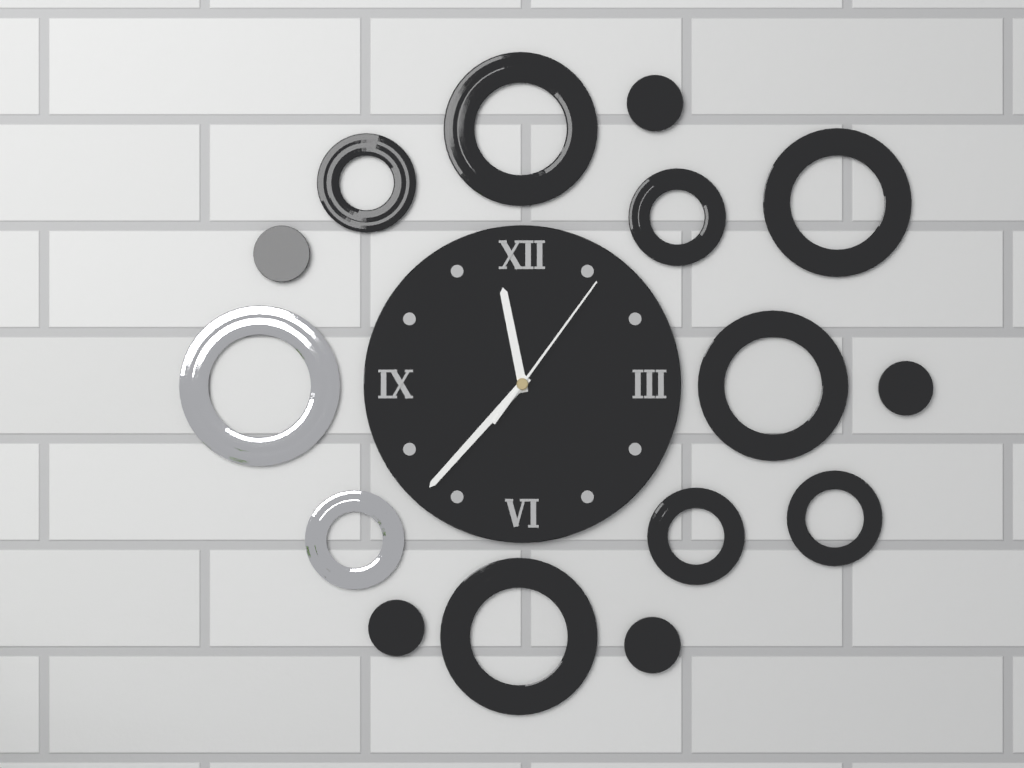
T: 11:37:06
